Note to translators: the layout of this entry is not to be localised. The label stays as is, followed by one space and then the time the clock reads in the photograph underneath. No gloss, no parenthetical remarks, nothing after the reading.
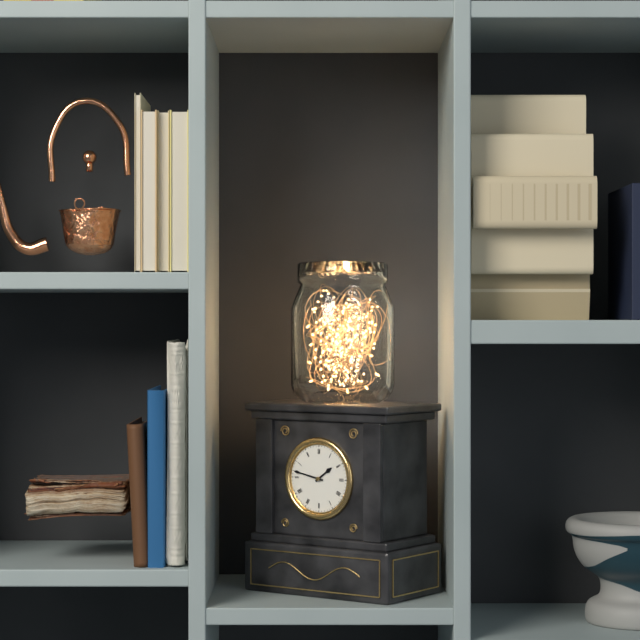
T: 1:47
